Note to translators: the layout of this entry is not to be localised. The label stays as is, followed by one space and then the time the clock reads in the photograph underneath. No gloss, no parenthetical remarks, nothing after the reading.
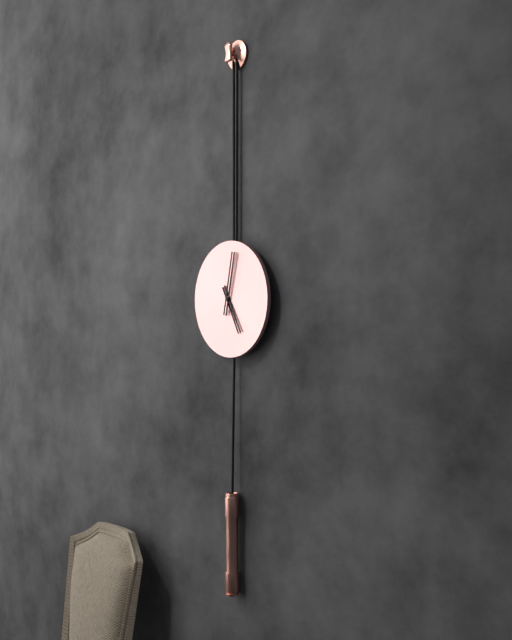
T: 5:02
